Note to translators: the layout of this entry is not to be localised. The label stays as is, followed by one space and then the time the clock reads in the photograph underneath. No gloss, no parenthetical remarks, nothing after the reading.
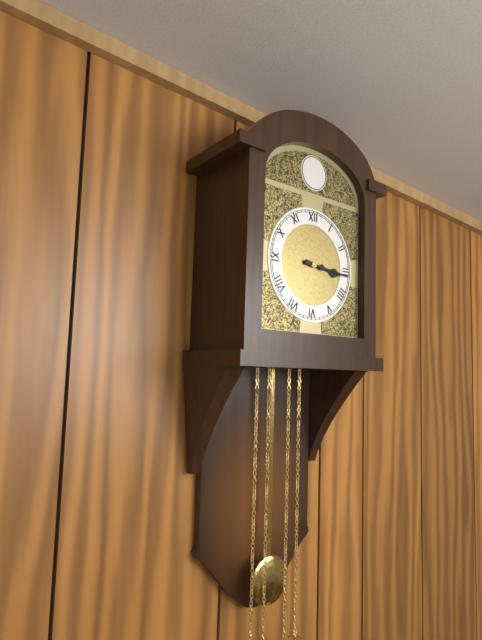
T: 3:16
